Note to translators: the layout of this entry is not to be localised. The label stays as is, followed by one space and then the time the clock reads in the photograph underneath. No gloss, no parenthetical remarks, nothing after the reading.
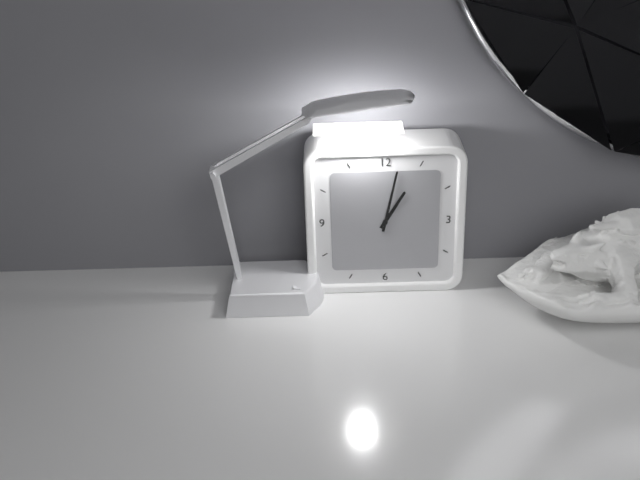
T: 1:02
